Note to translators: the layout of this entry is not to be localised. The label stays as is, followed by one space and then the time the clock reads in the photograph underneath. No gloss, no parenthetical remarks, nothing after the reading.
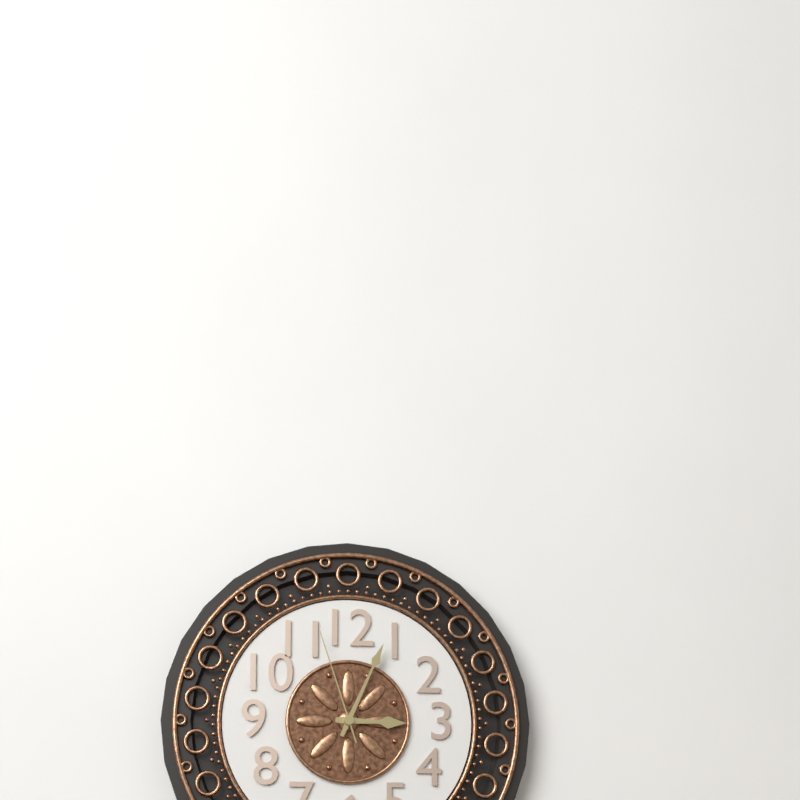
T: 3:04:57
